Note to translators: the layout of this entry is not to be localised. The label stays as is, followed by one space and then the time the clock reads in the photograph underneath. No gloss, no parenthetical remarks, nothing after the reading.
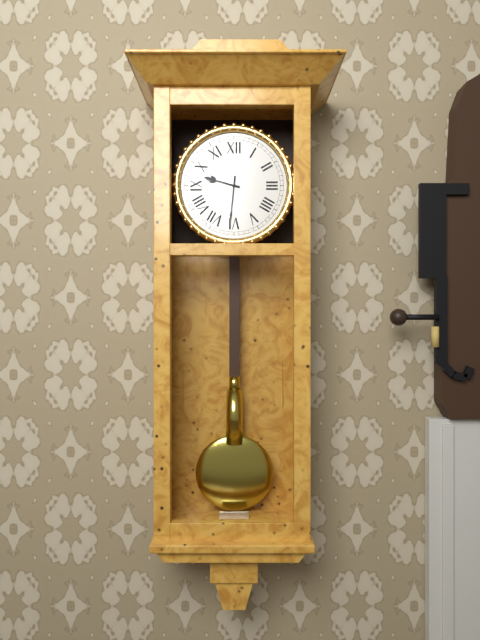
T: 9:31
